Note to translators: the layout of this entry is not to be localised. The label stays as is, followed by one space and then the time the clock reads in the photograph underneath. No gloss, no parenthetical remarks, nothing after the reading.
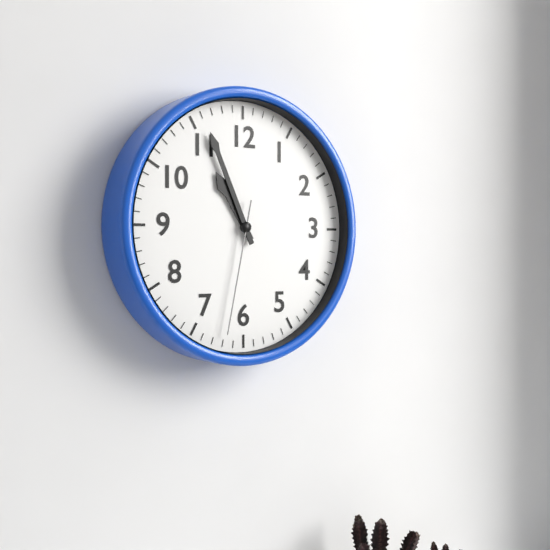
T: 10:56:32
